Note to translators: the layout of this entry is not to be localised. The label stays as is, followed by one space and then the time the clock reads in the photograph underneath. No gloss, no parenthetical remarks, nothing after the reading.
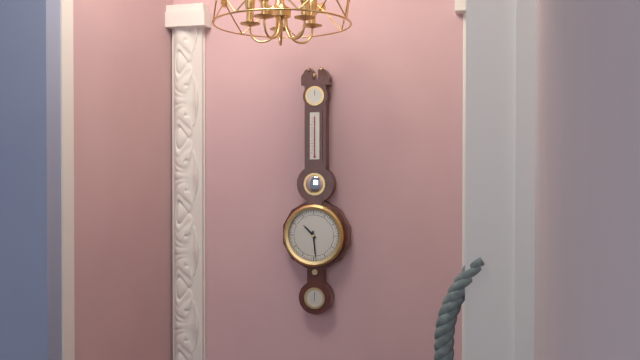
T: 10:29
